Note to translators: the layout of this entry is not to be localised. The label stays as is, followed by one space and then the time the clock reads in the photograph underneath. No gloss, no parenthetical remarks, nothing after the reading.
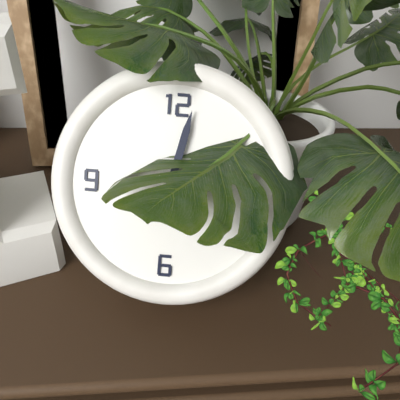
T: 2:02
